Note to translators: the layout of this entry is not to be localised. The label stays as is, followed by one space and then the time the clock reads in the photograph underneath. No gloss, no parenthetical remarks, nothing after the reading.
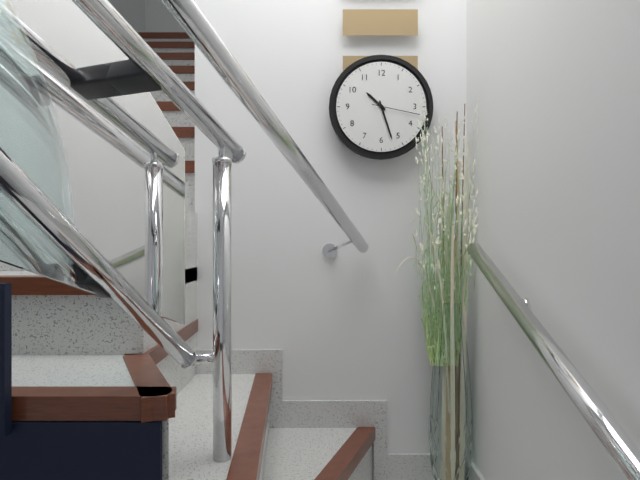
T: 10:27
